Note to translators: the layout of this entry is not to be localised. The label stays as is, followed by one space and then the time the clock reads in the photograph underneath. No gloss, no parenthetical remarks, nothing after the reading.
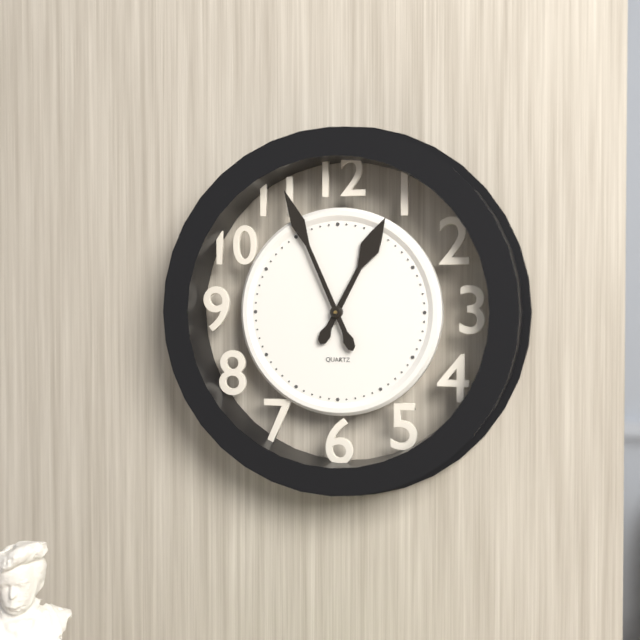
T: 12:56
